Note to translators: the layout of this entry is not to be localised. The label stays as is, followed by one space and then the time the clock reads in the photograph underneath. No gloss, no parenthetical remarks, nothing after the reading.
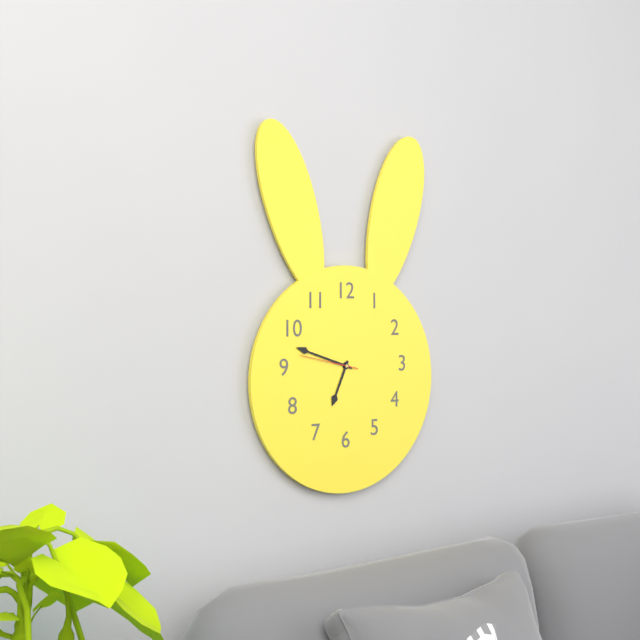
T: 6:48:47
